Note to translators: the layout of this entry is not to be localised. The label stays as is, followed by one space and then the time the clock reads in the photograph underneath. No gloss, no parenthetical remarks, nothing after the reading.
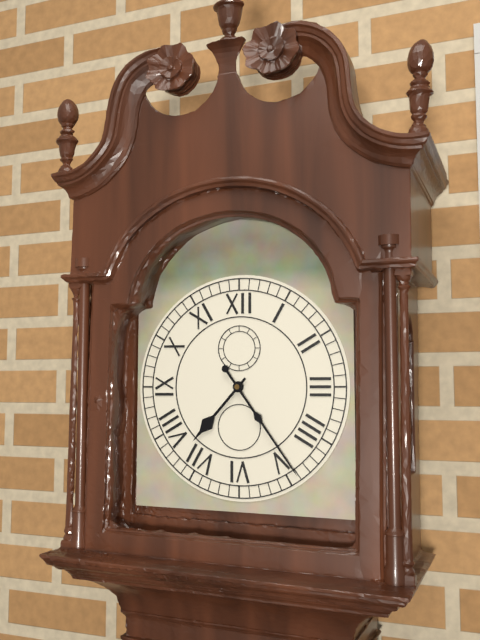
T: 7:24
